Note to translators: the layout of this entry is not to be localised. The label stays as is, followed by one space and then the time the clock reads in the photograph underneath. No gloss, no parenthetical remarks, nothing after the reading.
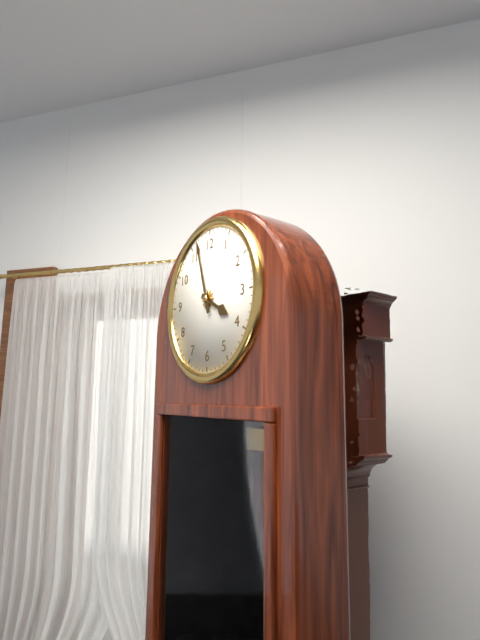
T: 3:57
